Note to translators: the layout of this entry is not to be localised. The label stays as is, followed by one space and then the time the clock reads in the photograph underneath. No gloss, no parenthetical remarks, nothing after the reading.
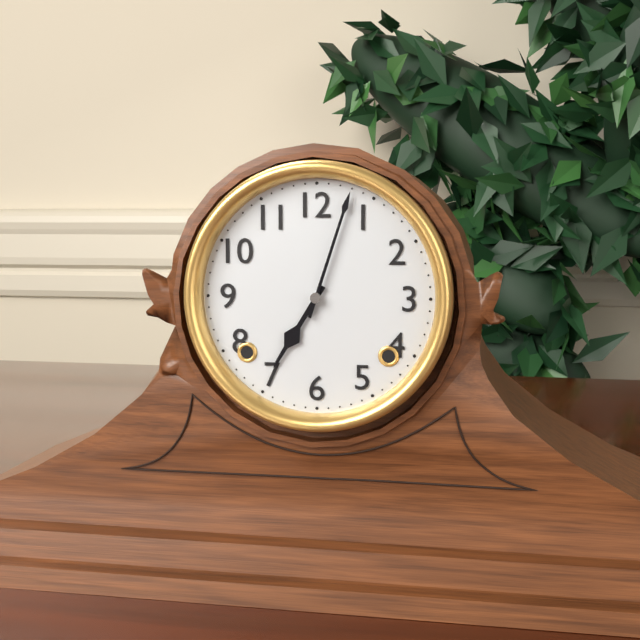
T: 7:03
